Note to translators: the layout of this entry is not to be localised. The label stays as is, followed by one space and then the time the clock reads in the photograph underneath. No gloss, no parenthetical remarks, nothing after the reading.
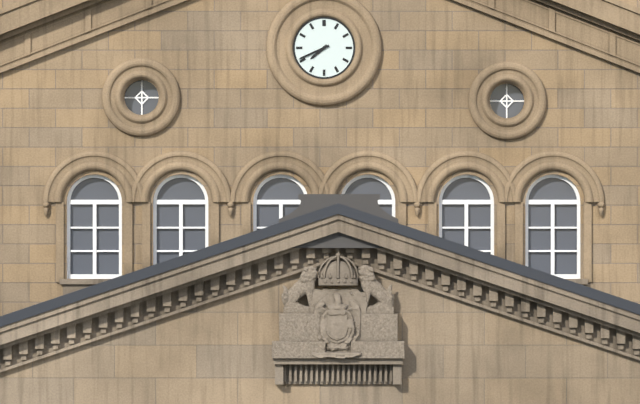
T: 7:41
